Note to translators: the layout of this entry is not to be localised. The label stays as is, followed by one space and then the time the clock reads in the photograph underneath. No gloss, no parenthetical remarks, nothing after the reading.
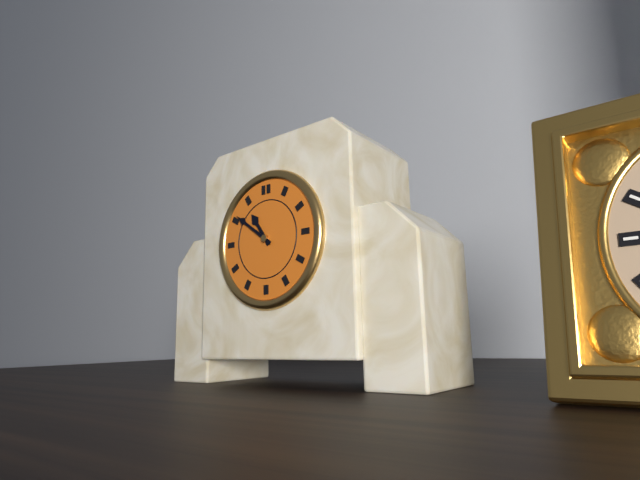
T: 10:51
